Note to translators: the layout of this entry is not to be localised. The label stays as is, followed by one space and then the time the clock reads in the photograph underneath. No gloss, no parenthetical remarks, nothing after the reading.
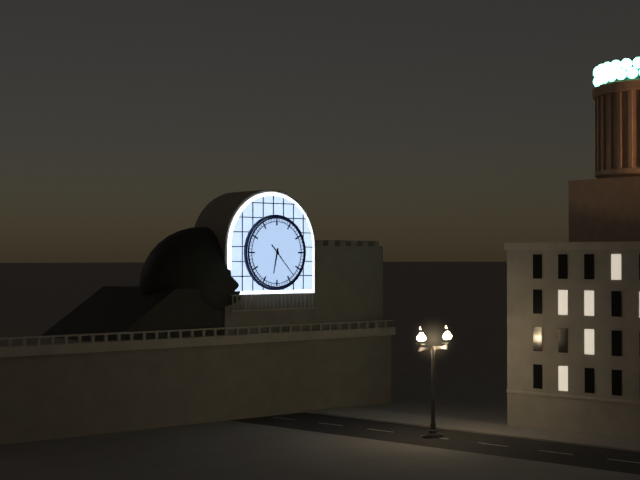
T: 6:23
